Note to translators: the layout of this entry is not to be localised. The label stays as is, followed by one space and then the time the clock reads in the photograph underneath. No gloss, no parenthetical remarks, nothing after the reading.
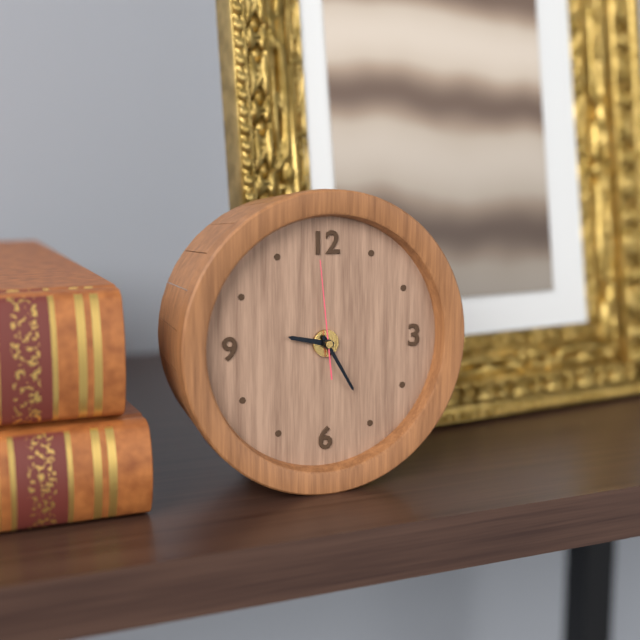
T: 9:25:59
